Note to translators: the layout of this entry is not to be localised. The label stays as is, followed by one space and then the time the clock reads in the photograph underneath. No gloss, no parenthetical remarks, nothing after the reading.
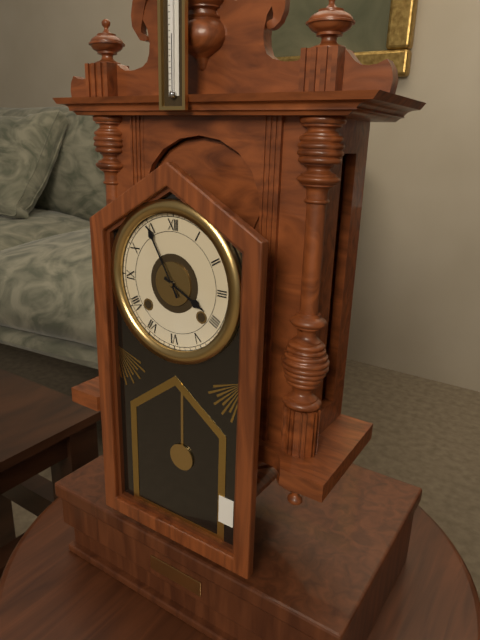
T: 3:55
